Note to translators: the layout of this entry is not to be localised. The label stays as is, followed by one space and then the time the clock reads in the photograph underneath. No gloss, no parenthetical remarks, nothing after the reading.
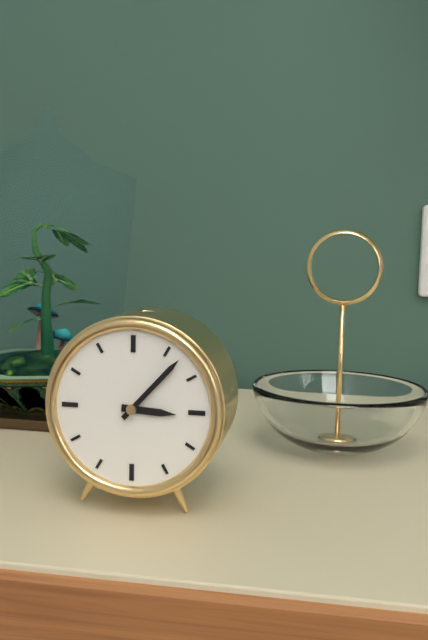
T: 3:07
